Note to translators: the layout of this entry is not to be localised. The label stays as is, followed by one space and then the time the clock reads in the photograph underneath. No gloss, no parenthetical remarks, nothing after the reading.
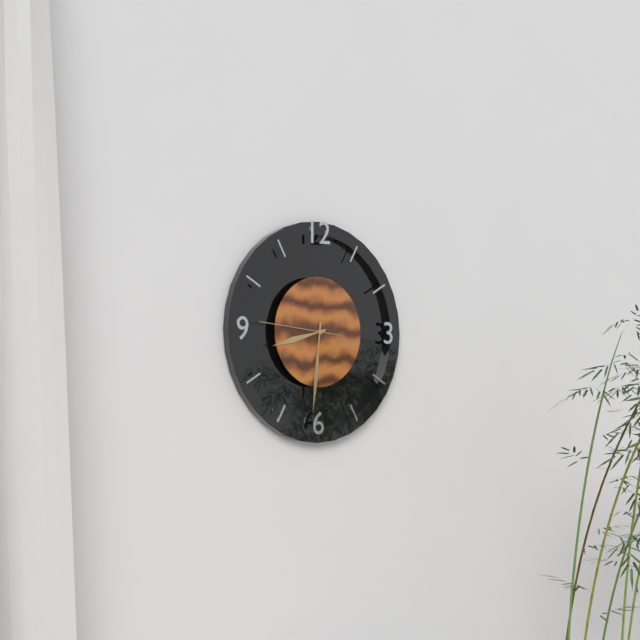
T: 8:31:46
